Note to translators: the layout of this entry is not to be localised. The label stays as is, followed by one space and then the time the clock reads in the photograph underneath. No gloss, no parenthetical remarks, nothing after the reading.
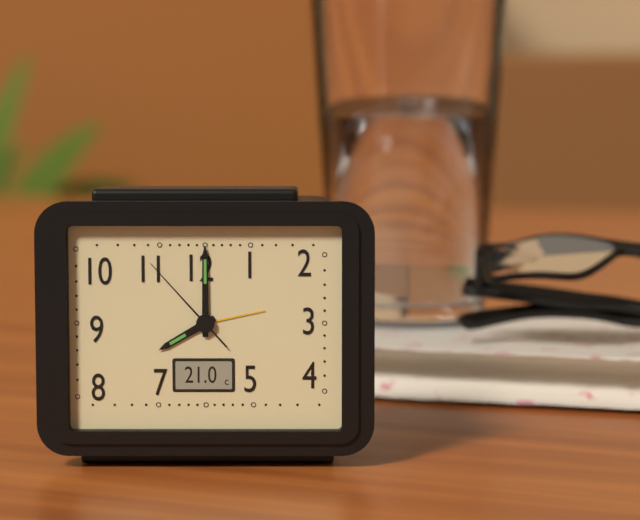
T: 8:00:53
